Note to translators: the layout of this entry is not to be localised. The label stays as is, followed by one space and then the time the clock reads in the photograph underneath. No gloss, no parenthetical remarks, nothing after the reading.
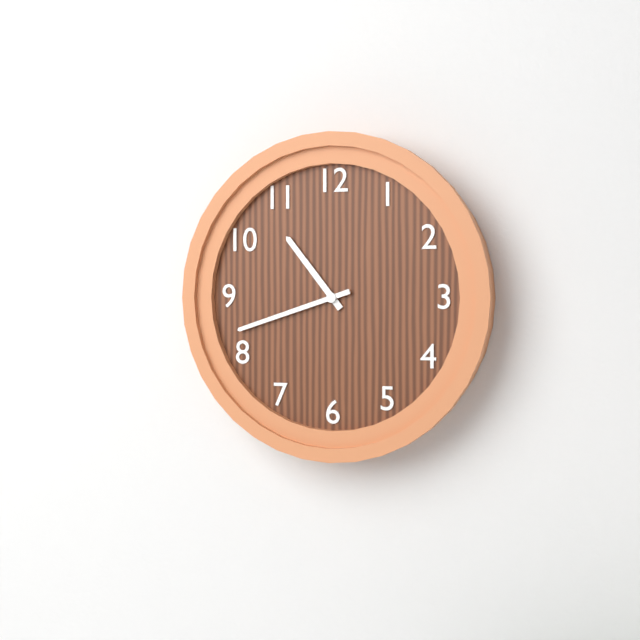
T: 10:42
